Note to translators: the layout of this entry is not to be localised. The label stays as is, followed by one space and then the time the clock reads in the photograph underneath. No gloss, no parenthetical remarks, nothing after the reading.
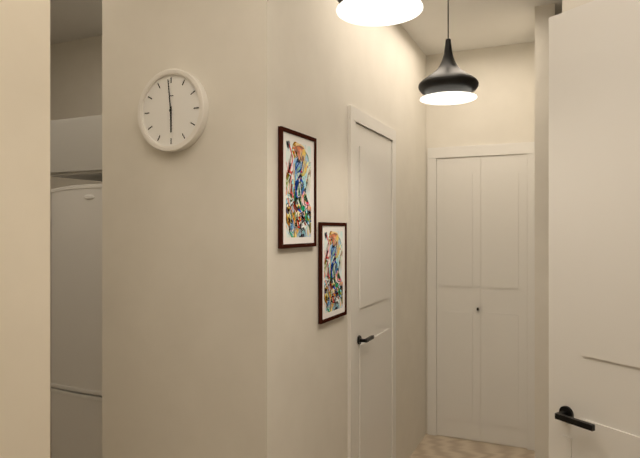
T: 5:59
